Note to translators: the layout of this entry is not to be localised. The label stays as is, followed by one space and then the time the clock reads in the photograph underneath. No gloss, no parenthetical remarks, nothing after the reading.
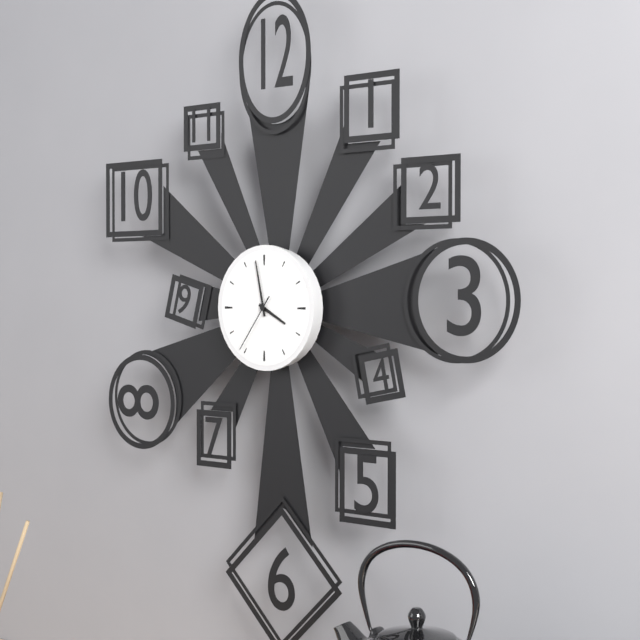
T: 3:58:36
